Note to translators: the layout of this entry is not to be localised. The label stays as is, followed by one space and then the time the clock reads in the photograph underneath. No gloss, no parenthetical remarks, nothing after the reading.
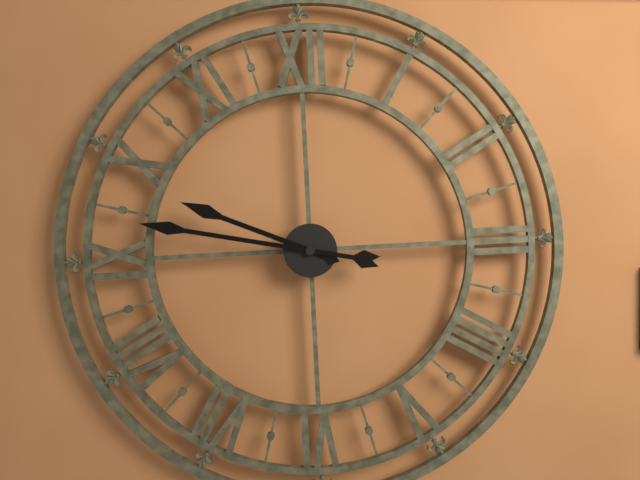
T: 9:47
